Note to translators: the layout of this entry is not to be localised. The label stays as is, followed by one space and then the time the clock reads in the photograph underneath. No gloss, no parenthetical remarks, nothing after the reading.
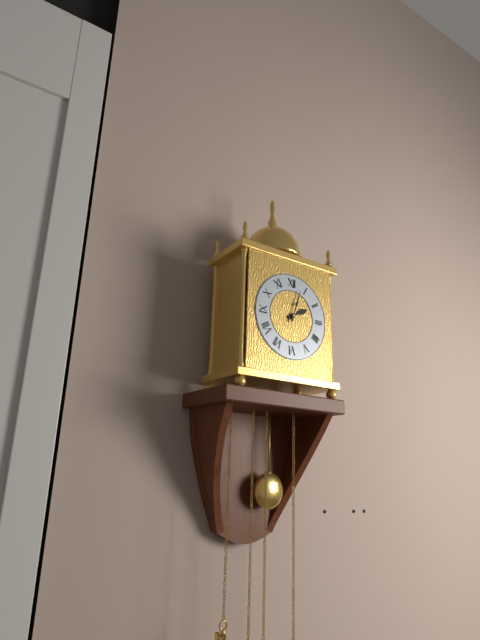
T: 2:03
